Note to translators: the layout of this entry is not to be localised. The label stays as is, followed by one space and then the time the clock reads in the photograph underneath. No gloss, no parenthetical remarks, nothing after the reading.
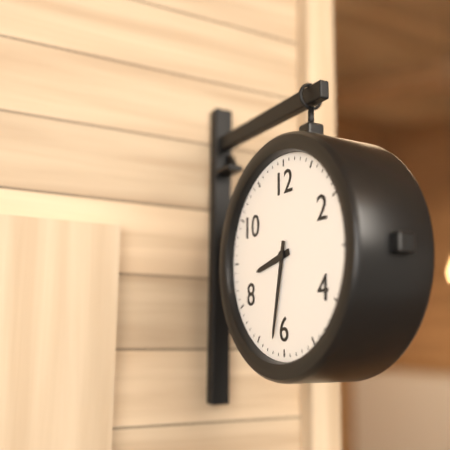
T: 8:32
